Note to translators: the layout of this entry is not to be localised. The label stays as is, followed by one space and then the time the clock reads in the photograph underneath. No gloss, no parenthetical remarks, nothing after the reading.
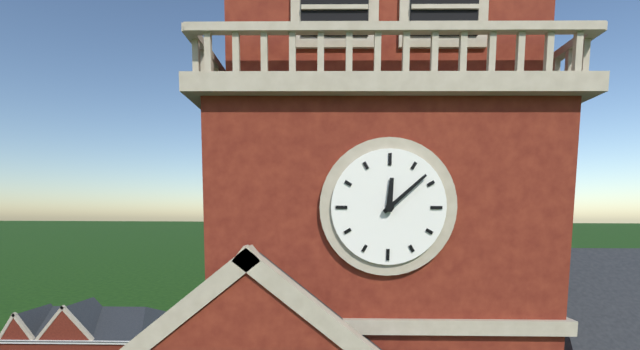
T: 12:08
